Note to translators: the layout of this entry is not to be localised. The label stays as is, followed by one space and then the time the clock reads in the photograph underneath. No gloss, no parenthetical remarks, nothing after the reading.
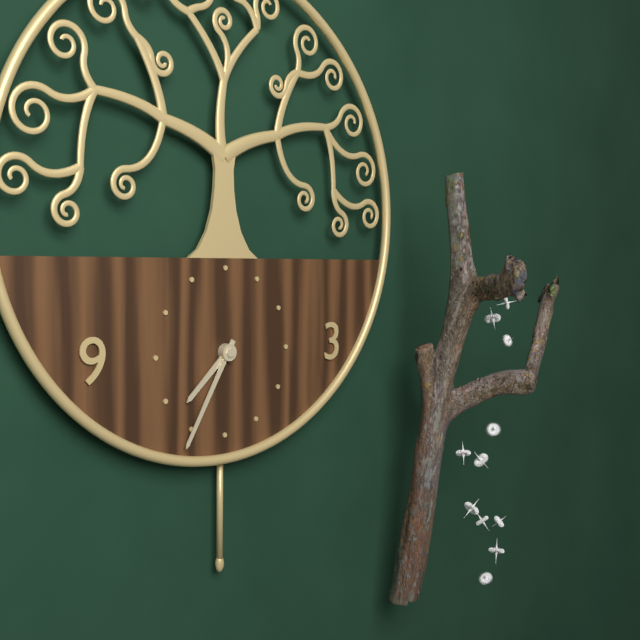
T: 7:35
